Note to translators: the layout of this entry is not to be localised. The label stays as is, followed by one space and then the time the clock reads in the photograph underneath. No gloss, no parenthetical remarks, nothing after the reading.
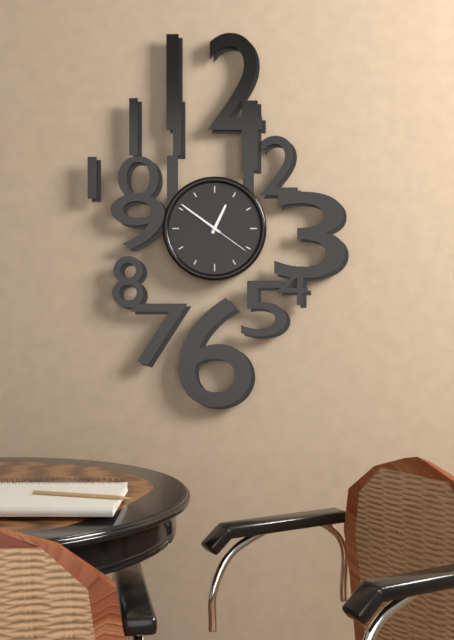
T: 12:51
